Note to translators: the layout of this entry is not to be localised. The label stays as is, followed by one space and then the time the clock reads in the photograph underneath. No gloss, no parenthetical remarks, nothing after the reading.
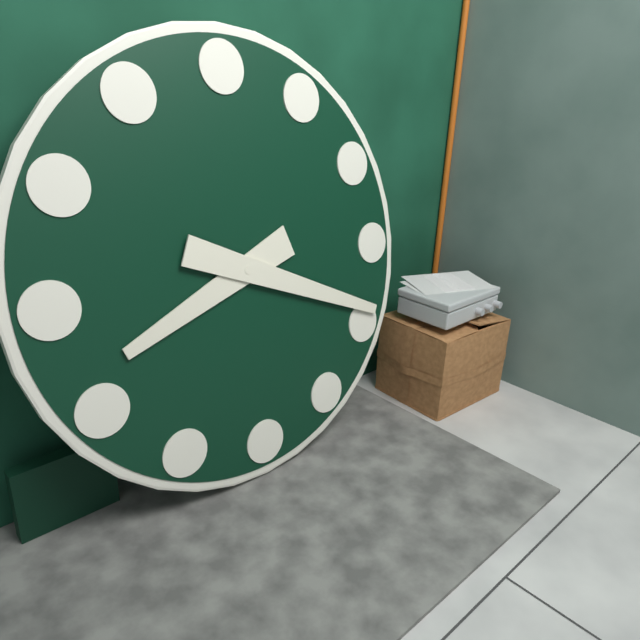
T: 8:19
